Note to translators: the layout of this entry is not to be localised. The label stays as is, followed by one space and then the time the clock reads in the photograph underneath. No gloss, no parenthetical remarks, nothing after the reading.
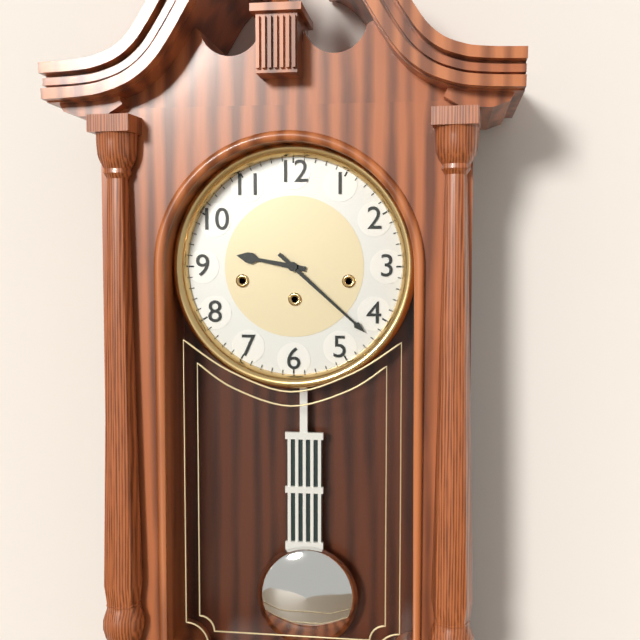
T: 9:22
